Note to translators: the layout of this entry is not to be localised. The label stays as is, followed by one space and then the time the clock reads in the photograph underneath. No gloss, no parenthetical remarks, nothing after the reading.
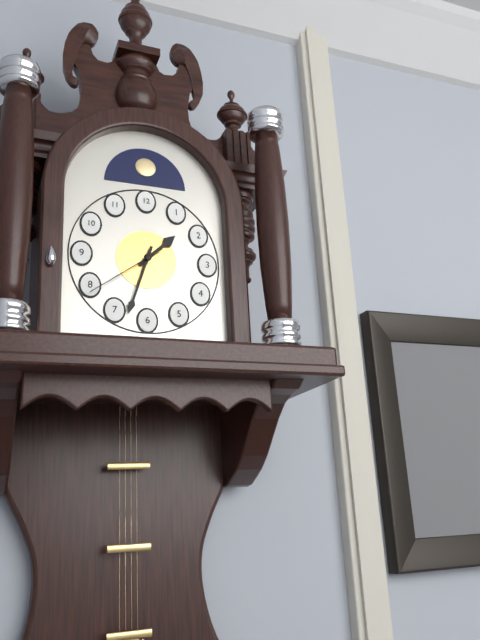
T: 1:33:39
